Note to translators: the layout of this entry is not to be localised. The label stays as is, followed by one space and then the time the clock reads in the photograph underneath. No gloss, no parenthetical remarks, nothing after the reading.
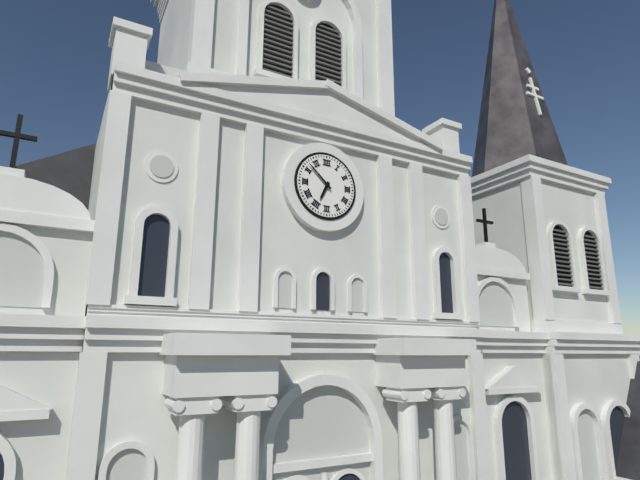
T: 6:52
